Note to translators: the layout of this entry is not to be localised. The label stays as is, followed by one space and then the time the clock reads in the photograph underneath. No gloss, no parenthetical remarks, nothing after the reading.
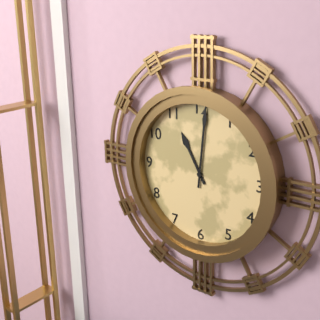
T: 11:01
